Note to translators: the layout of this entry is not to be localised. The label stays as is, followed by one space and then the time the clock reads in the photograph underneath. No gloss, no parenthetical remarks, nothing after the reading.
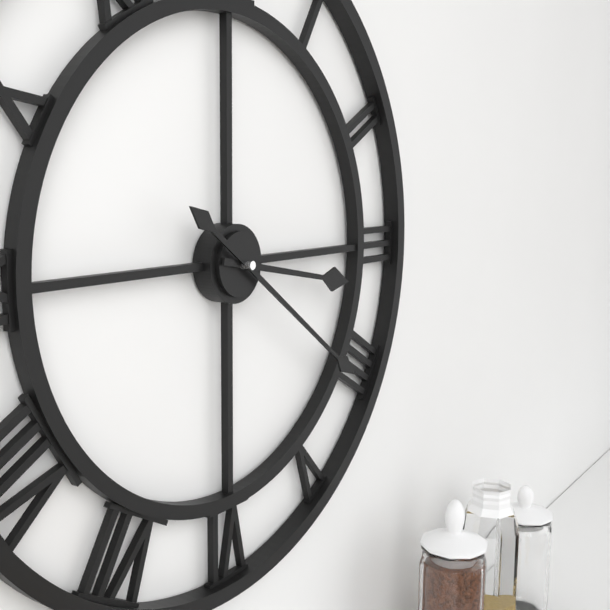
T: 3:21
